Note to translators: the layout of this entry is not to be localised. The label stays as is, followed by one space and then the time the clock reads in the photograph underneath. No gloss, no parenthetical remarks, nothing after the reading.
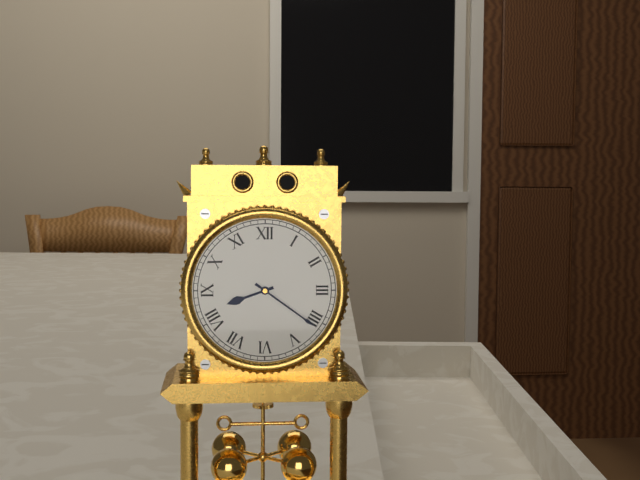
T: 8:21
